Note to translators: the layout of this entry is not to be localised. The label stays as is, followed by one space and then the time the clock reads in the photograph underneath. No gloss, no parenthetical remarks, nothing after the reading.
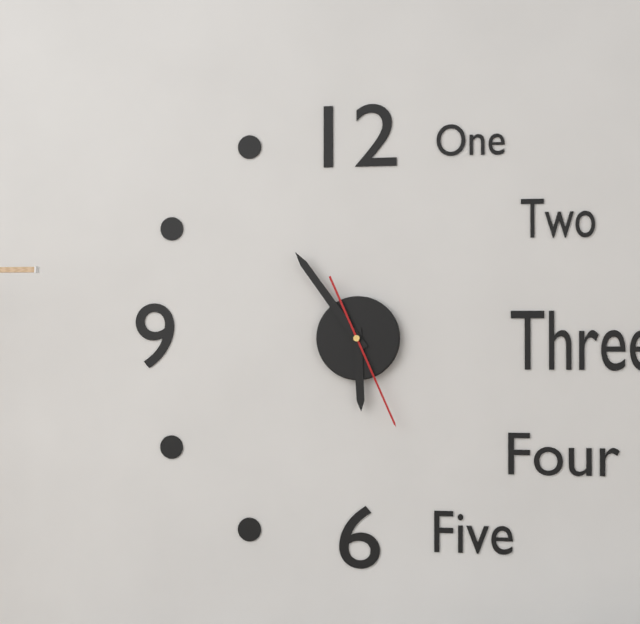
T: 5:54:26
